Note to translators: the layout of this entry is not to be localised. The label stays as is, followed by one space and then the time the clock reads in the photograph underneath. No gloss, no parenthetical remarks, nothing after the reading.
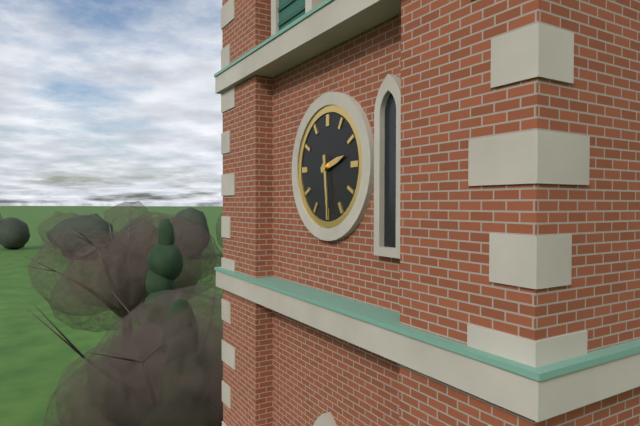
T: 2:29
